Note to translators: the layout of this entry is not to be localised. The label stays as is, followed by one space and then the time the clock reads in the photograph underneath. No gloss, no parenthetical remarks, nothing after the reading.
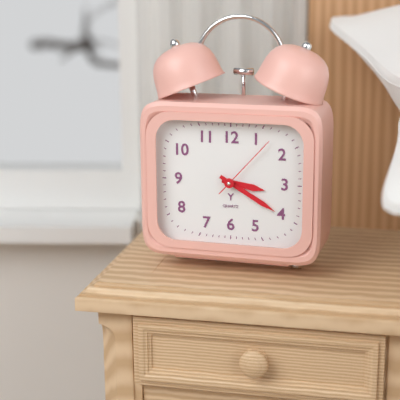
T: 3:20:07
